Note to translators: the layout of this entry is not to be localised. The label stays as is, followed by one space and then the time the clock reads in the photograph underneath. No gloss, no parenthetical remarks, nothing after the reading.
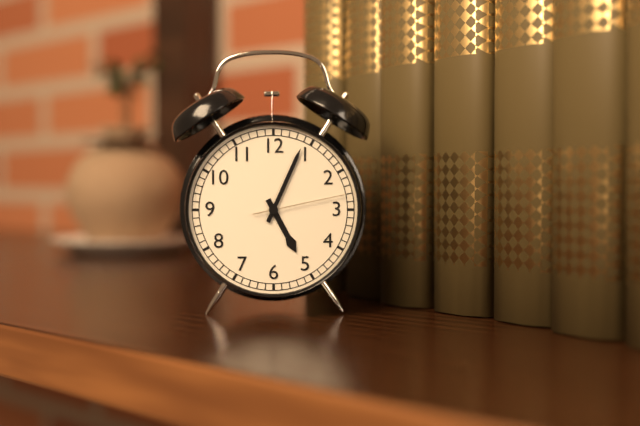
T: 5:04:13
